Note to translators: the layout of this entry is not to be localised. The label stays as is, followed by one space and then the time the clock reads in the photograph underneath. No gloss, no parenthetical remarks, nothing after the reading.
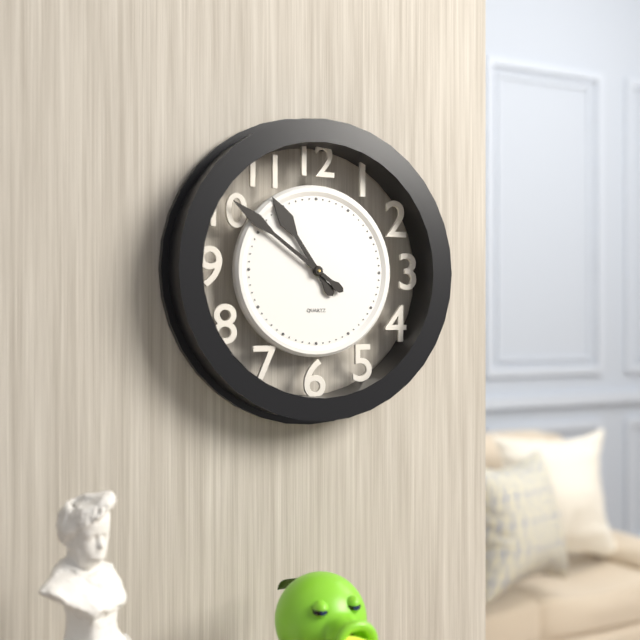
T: 10:51
